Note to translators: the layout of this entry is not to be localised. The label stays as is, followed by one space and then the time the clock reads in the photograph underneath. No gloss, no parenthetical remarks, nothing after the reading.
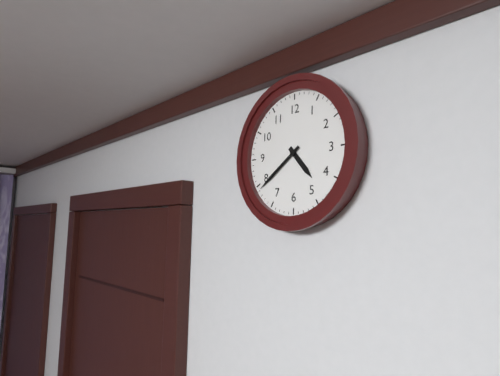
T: 4:39
